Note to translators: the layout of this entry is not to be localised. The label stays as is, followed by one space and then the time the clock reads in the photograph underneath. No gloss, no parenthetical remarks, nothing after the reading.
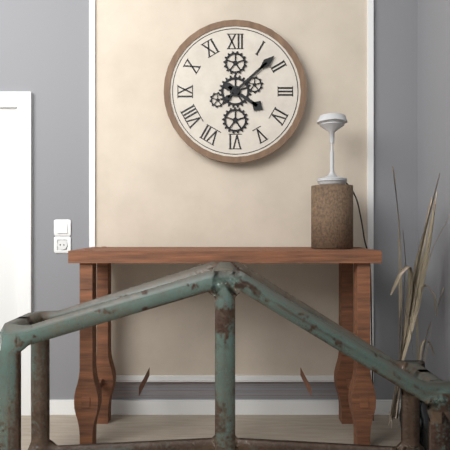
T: 4:08
